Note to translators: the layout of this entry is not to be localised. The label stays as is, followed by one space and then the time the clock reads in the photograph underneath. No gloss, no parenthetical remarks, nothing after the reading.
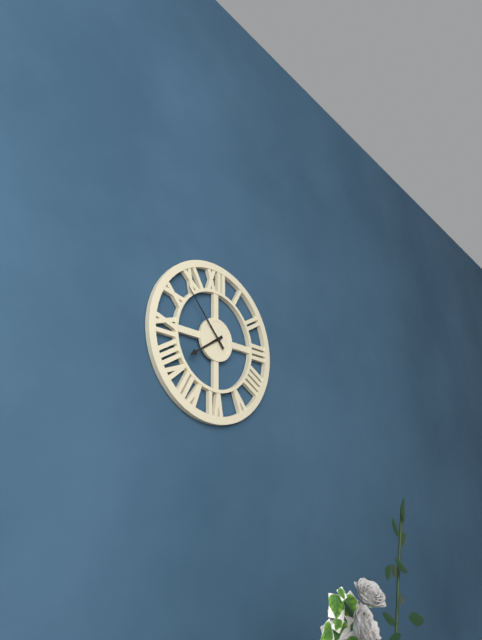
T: 7:53
